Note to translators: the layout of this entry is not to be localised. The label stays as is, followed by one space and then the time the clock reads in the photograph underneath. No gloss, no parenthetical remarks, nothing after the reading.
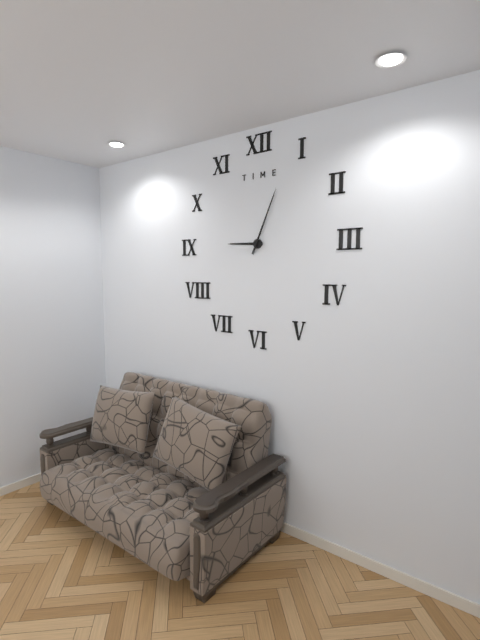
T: 9:04
